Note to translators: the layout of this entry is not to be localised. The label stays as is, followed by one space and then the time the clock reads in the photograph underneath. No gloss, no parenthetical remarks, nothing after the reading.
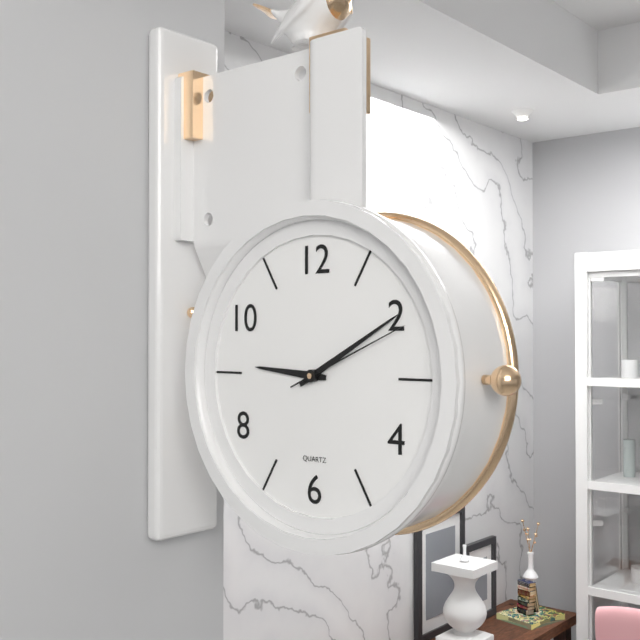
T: 9:10:11
